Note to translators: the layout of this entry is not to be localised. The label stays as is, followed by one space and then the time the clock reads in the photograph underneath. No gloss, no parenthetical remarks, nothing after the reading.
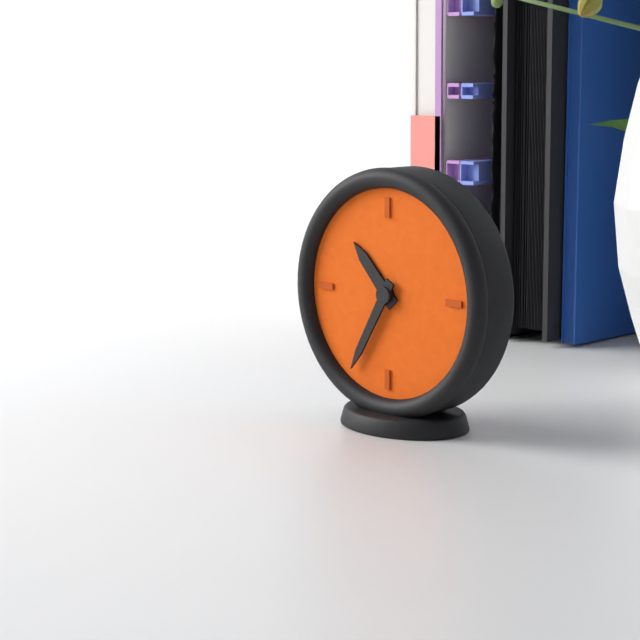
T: 10:35
